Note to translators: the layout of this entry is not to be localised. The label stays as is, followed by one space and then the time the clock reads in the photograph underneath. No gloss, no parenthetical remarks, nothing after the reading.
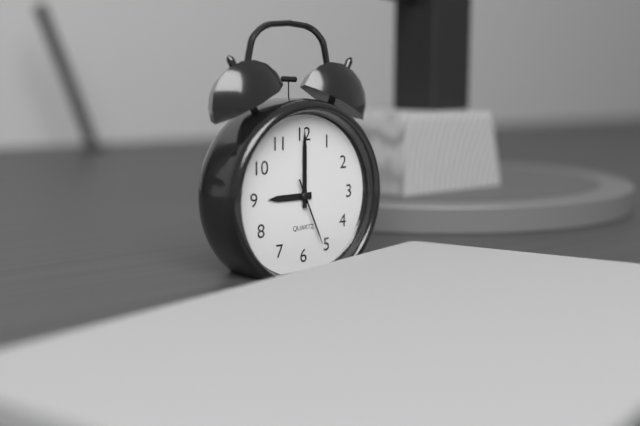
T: 9:00:26
